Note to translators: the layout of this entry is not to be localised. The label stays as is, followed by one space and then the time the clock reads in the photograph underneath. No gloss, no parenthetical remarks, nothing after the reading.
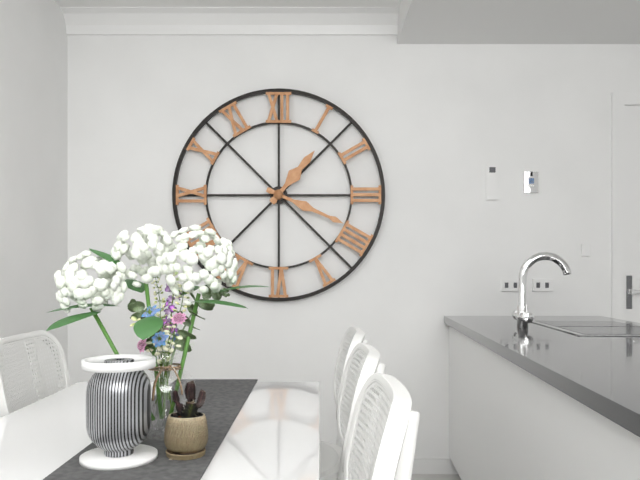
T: 1:19
